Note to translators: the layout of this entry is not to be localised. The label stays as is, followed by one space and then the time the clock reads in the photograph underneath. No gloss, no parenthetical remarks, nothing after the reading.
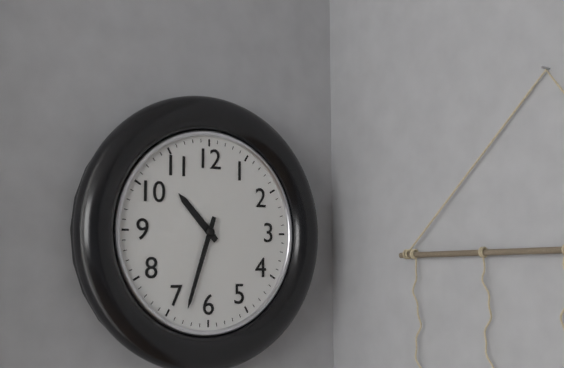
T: 10:33
